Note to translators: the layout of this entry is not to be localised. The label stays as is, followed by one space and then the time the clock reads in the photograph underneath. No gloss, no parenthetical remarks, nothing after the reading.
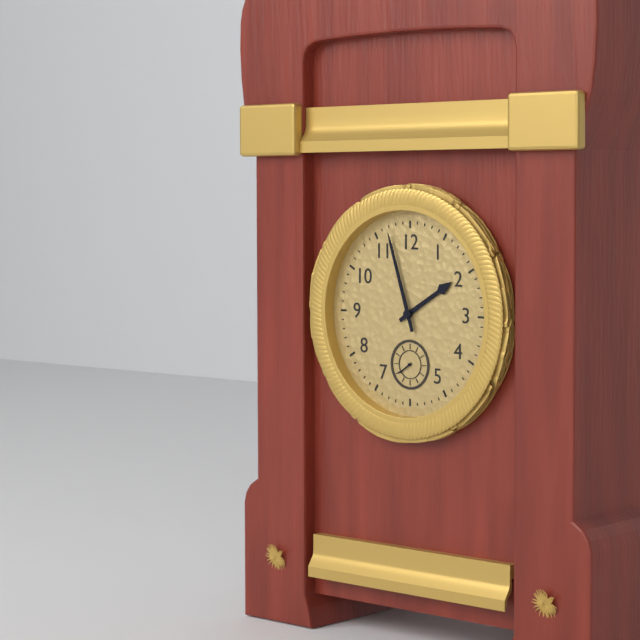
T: 1:57
